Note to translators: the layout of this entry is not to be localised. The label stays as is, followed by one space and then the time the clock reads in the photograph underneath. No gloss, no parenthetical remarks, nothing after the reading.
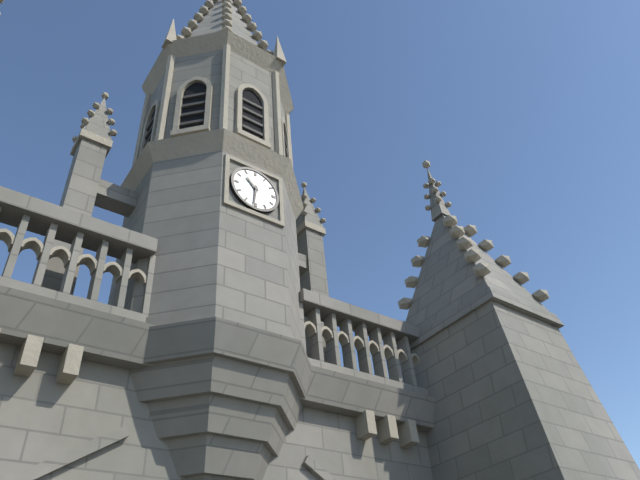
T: 10:31
